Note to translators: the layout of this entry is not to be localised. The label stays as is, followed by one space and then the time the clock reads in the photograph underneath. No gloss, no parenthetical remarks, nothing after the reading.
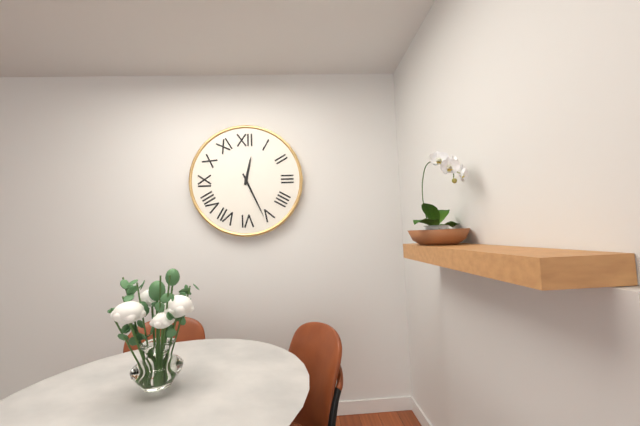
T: 12:26
